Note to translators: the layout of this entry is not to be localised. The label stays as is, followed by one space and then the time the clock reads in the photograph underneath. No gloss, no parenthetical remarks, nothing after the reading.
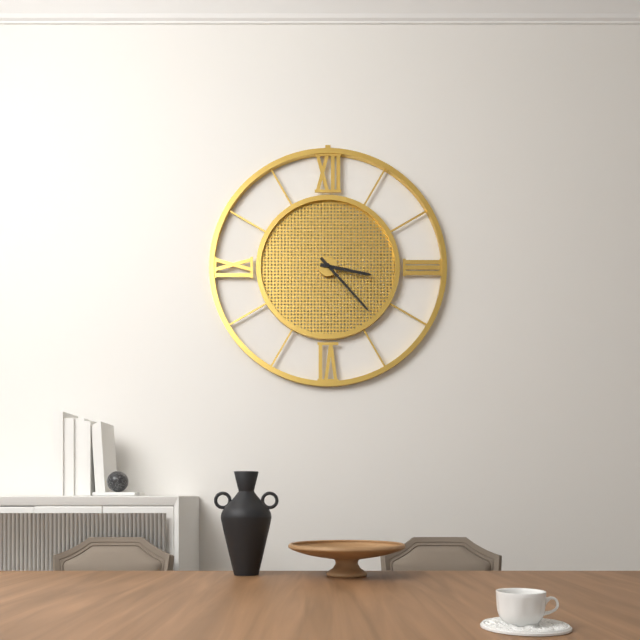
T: 3:23
